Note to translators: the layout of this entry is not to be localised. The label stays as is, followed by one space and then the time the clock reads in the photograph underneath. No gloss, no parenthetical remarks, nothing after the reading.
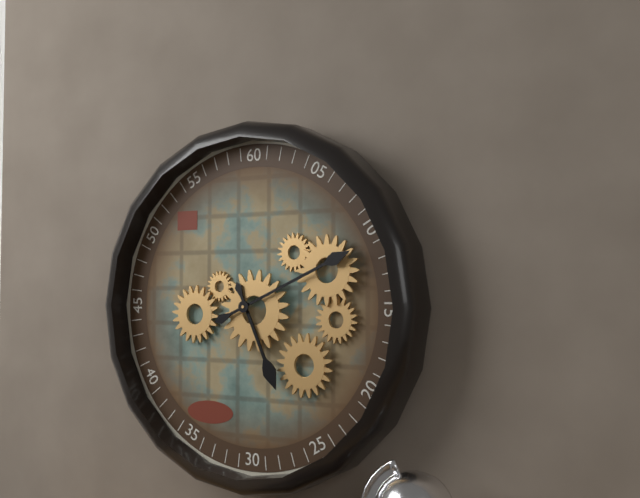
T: 5:11
